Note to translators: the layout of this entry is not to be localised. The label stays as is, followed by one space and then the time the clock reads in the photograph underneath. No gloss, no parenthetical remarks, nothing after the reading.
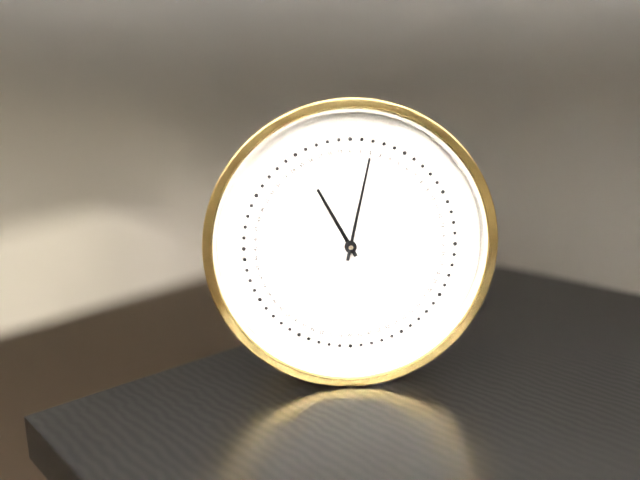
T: 11:02
